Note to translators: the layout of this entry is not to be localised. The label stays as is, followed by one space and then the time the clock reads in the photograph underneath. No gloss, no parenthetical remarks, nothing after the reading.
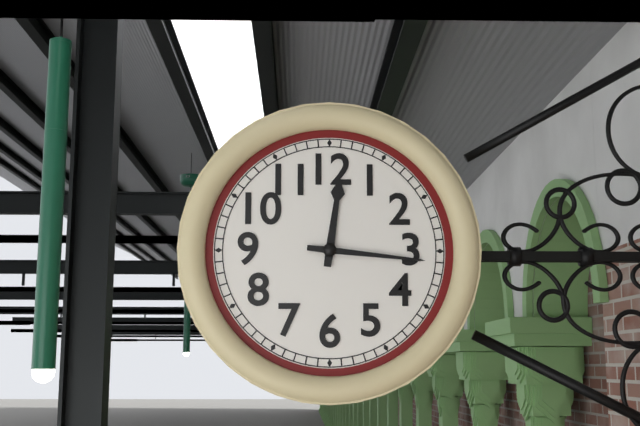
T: 12:16
